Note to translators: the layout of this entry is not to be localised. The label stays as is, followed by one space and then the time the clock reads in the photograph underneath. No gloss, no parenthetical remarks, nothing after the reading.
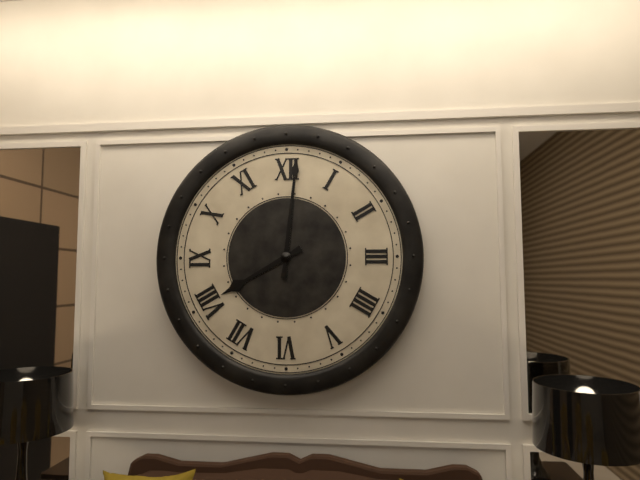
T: 8:01
